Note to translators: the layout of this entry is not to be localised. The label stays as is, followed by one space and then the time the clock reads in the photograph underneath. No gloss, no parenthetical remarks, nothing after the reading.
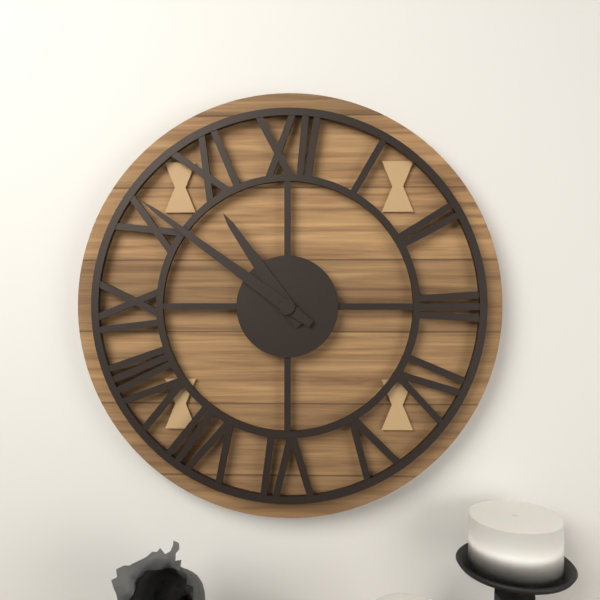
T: 10:51
